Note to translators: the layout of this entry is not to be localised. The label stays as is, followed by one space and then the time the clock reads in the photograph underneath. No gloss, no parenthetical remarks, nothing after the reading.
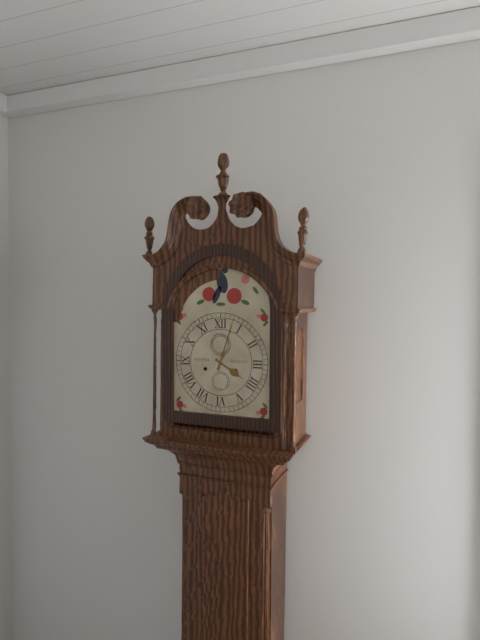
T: 4:03
